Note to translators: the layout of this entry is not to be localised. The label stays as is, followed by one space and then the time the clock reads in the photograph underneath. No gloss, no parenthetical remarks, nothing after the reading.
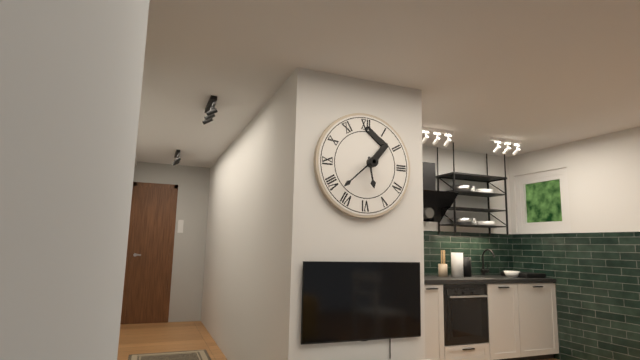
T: 5:38
